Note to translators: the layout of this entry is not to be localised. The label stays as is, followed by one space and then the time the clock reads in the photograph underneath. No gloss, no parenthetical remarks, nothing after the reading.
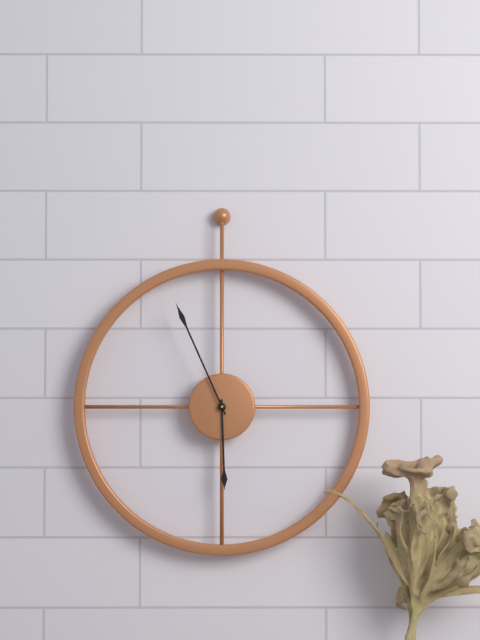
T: 5:56
